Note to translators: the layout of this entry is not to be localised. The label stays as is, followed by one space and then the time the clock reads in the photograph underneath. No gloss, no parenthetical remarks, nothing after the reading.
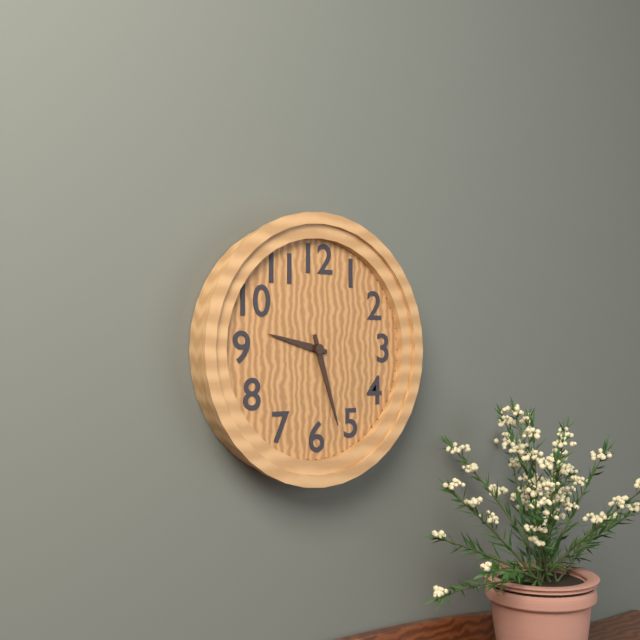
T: 9:27
